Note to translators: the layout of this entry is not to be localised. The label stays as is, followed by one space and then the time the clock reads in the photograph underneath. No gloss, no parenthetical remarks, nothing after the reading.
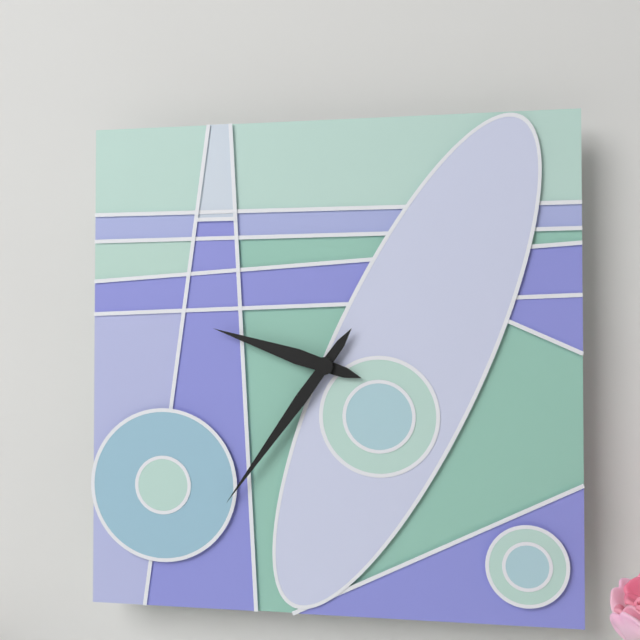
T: 9:36
